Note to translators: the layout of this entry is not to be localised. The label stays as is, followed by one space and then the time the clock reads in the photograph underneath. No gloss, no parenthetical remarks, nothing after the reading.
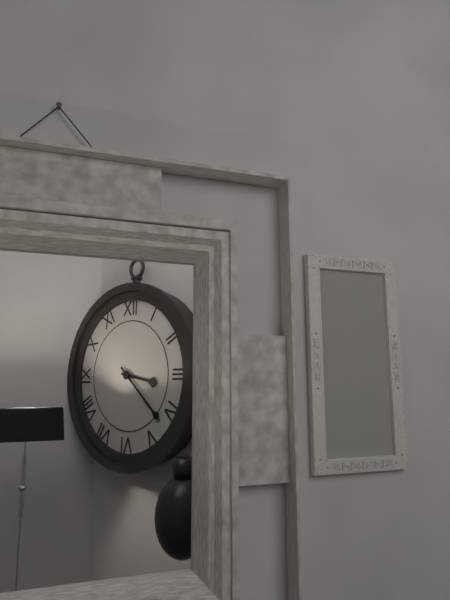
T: 3:22
